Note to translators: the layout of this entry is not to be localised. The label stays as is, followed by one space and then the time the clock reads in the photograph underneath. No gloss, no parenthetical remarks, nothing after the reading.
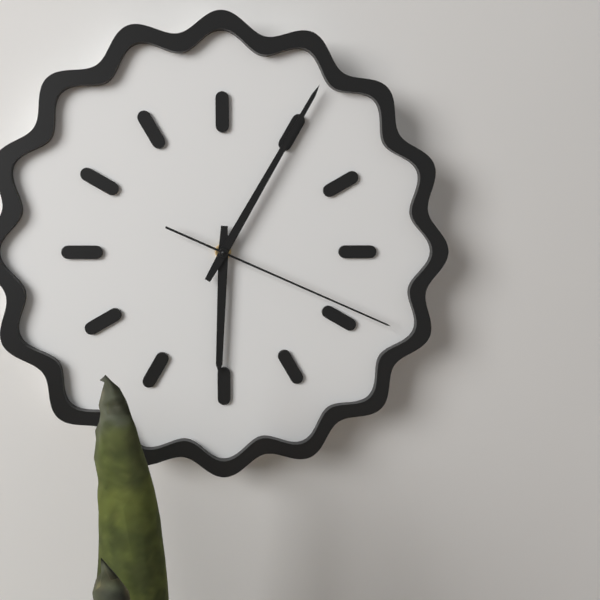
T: 6:05:19
